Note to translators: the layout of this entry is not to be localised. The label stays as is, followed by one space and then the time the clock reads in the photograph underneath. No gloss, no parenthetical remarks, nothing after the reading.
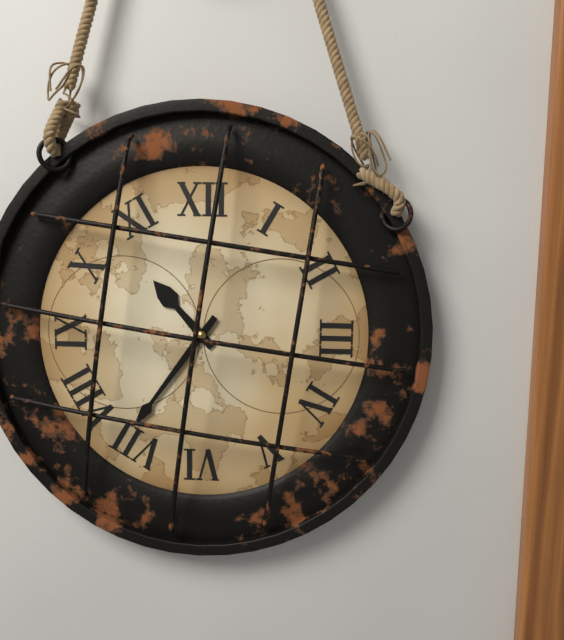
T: 10:36
